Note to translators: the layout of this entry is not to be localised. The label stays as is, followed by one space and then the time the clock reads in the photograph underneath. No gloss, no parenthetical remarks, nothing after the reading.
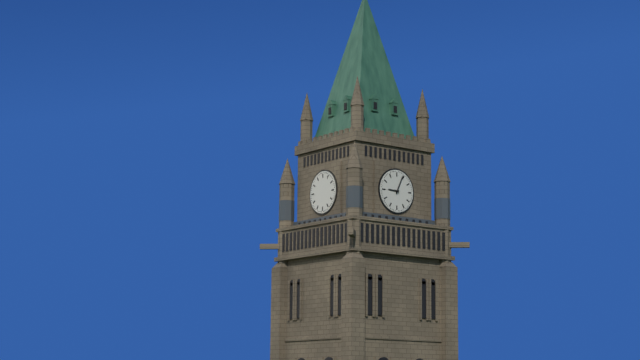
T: 9:04
